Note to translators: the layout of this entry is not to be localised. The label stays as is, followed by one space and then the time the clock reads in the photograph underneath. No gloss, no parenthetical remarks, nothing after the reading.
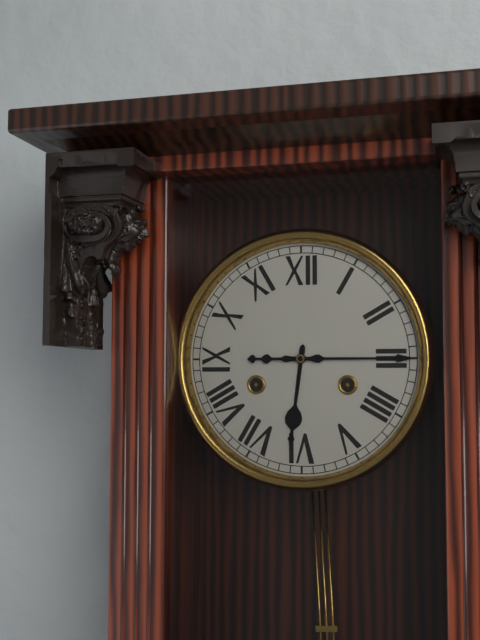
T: 6:15
